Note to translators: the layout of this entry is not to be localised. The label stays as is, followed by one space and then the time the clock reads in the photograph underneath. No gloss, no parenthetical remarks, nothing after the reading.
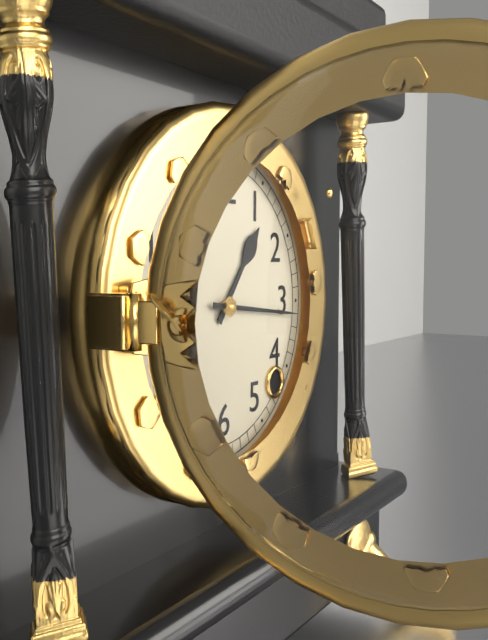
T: 1:16
